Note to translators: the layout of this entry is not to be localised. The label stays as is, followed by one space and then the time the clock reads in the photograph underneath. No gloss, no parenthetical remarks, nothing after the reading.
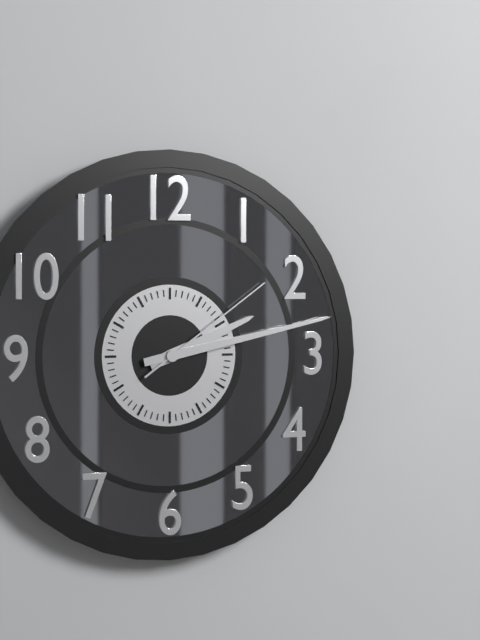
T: 2:13:09
